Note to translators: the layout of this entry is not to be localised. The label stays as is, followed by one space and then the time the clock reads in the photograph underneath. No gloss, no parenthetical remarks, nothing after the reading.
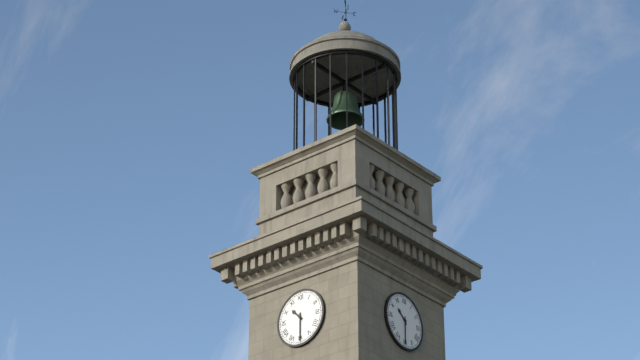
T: 10:30
